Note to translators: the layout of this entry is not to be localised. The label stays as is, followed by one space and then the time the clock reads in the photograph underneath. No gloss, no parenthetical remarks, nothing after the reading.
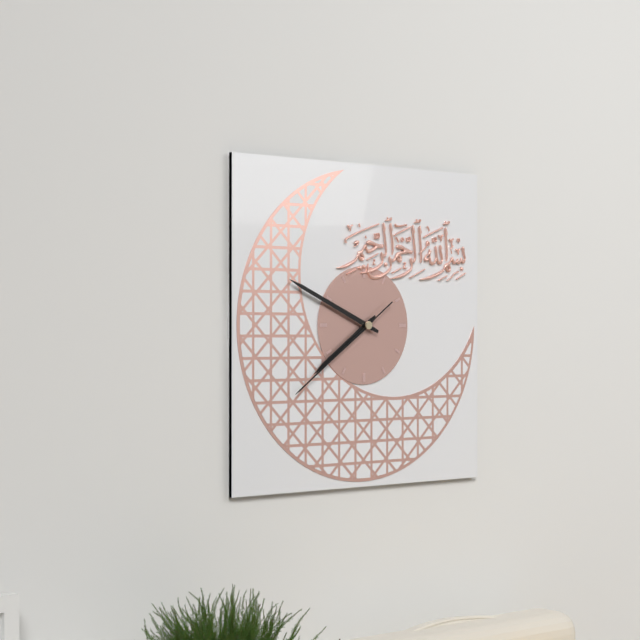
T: 7:49:39
